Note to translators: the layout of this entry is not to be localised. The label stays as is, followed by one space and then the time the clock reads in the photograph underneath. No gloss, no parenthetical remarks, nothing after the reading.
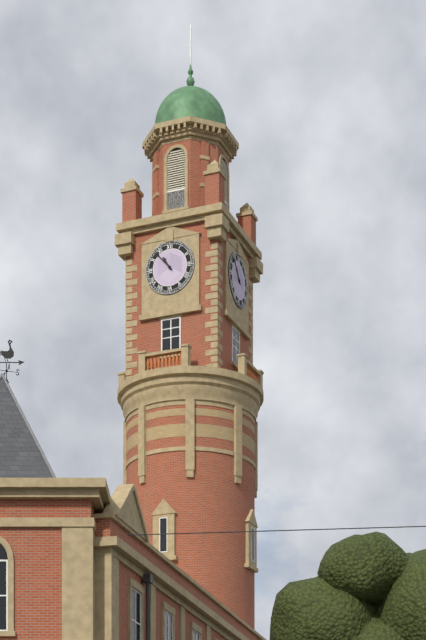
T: 10:53
